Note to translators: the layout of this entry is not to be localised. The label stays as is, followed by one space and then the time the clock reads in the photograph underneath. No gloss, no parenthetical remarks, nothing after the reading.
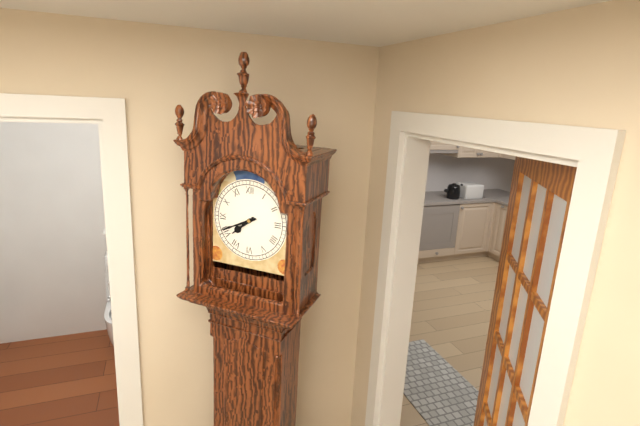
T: 7:41
